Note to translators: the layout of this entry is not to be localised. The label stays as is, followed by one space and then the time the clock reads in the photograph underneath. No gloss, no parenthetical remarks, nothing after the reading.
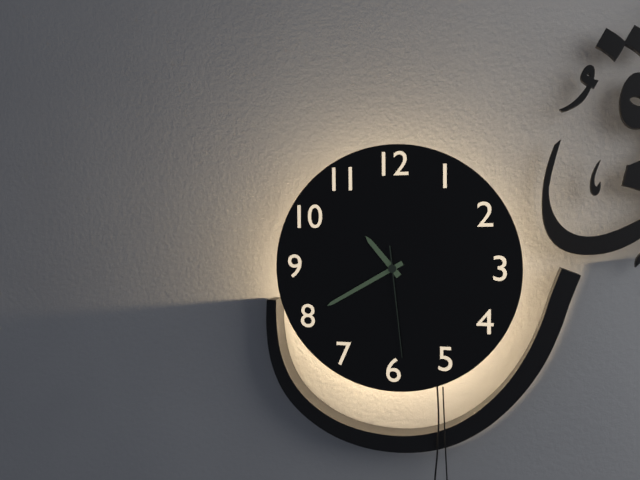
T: 10:40:29
